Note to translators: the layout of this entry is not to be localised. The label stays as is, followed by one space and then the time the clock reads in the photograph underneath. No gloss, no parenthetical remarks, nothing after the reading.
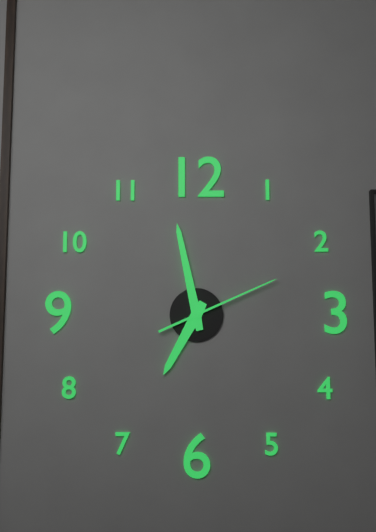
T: 6:58:11
